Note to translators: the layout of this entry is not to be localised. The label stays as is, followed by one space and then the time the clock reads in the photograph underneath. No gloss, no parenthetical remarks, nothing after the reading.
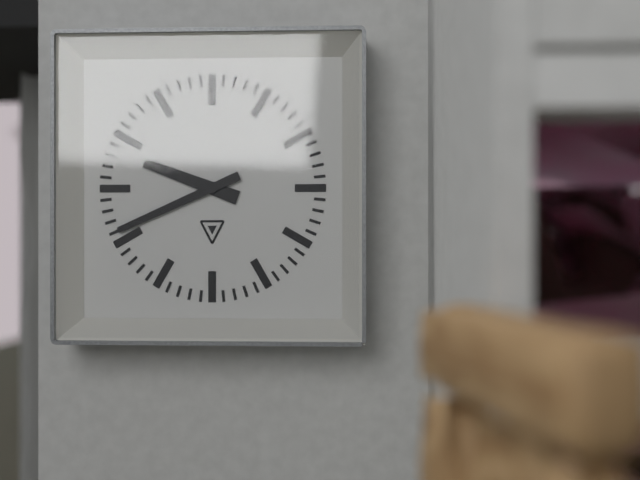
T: 9:41
